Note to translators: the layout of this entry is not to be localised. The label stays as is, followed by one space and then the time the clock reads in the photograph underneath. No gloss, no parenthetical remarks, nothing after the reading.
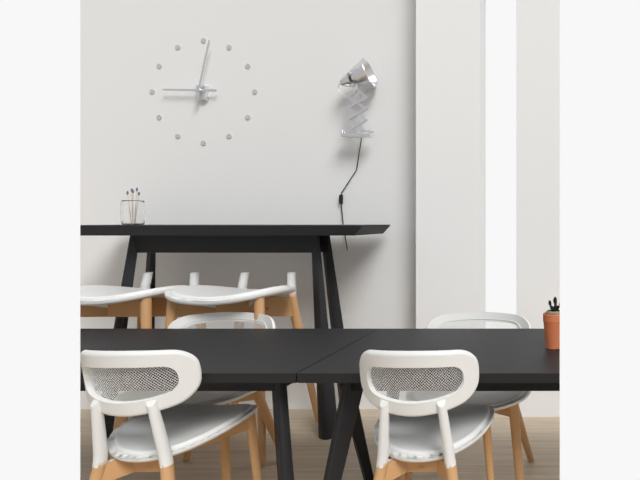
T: 9:02
